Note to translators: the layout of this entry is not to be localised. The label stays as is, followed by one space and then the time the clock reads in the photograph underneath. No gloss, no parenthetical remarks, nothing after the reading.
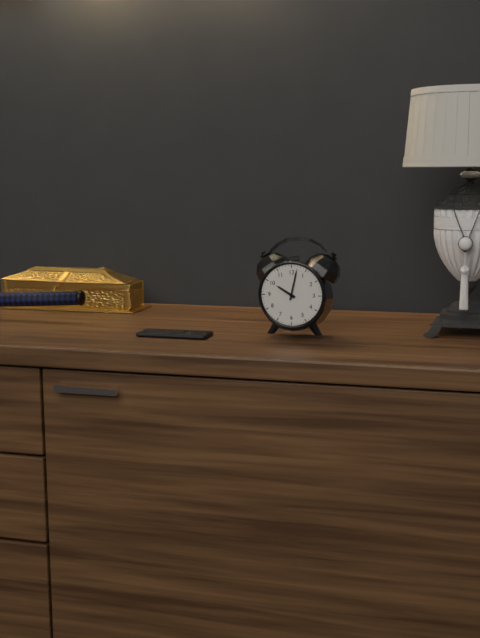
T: 10:02
